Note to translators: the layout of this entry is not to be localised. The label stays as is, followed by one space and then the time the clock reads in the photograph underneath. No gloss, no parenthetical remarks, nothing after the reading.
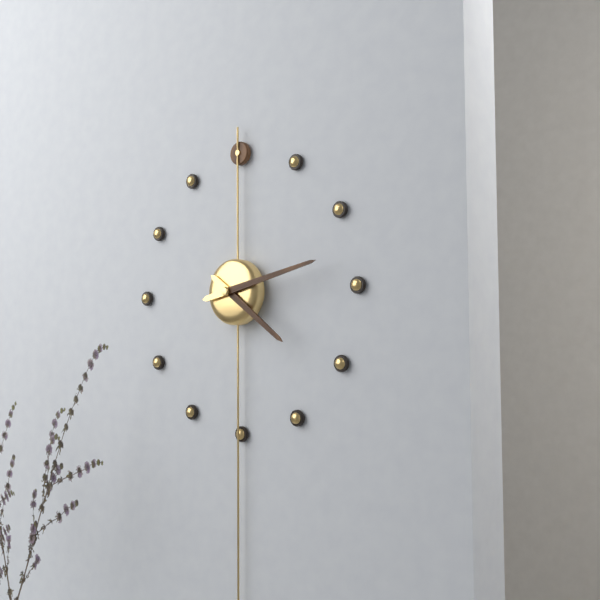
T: 4:13
